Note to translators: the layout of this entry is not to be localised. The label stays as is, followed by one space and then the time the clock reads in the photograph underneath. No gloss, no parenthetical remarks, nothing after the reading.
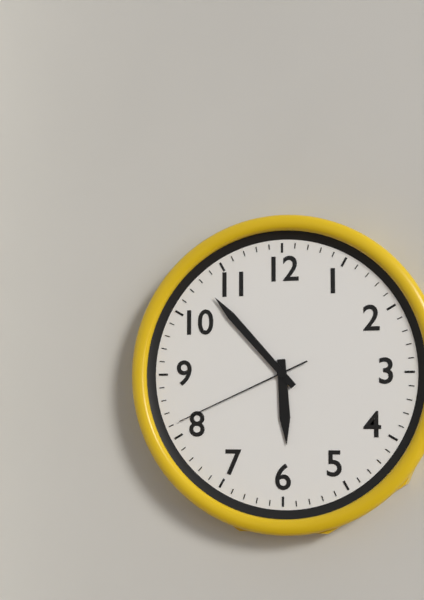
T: 5:53:41
